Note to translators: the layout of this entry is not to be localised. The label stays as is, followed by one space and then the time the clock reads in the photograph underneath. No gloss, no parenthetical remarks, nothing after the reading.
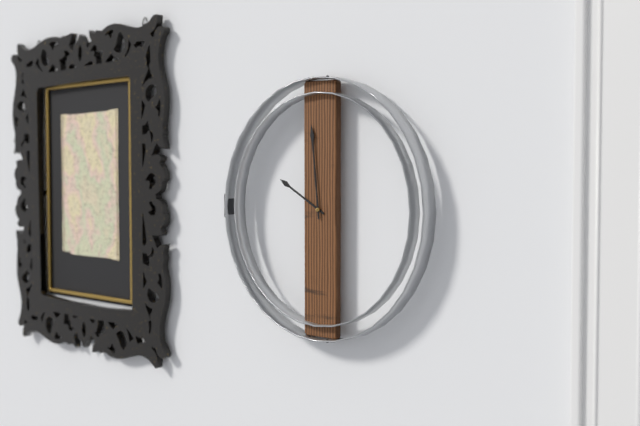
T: 9:59
